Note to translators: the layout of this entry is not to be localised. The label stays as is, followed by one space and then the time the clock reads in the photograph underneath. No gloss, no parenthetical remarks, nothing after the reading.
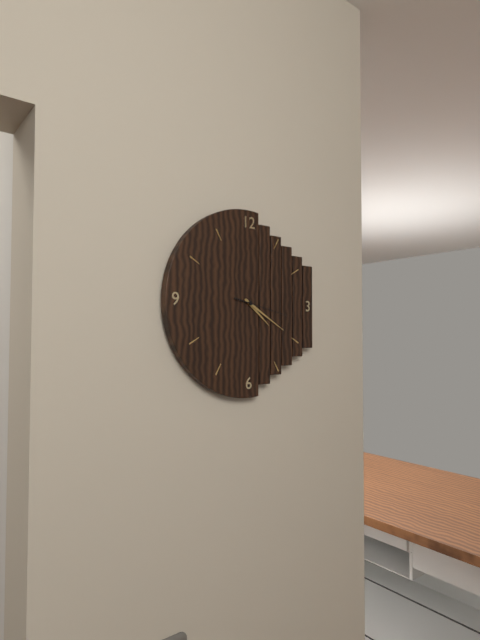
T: 4:20
